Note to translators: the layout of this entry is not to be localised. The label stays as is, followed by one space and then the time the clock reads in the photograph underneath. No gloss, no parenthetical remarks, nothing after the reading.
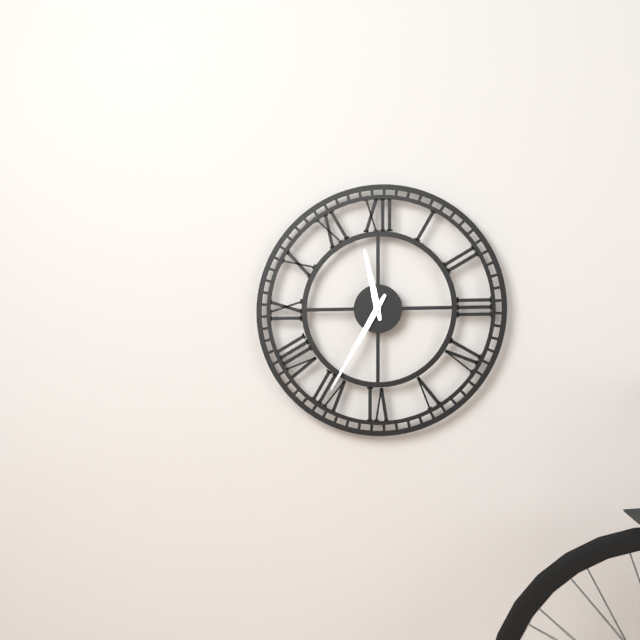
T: 11:35
